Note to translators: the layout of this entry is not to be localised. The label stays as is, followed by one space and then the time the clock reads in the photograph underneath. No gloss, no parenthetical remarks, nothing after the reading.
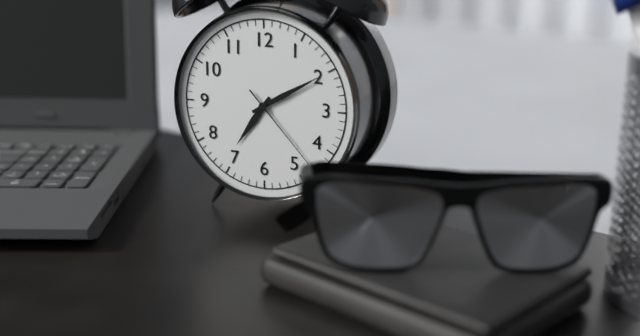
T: 7:10:23
